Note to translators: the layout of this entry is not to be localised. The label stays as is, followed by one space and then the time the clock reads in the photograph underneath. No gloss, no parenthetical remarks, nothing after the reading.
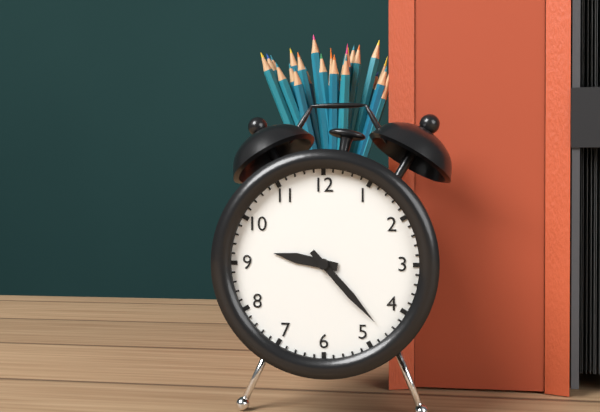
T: 9:23
